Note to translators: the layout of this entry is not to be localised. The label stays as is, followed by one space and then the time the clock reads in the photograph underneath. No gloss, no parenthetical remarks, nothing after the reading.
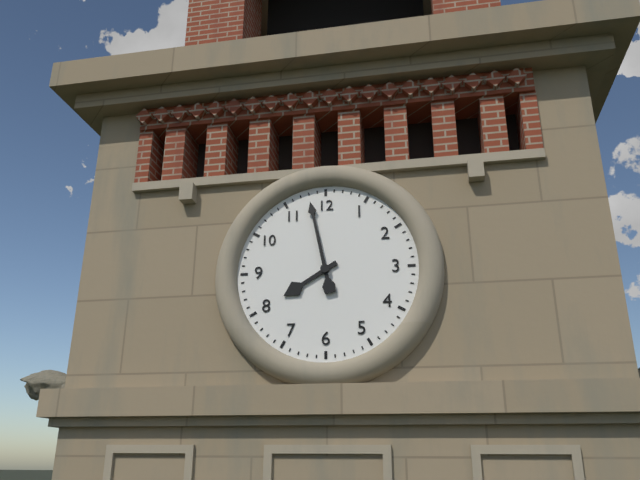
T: 7:58
